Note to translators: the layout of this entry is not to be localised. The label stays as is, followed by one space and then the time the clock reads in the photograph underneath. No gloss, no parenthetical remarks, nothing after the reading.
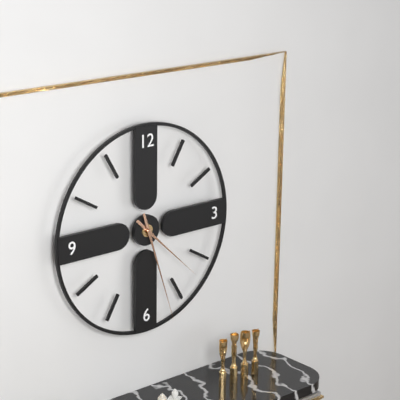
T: 4:27
